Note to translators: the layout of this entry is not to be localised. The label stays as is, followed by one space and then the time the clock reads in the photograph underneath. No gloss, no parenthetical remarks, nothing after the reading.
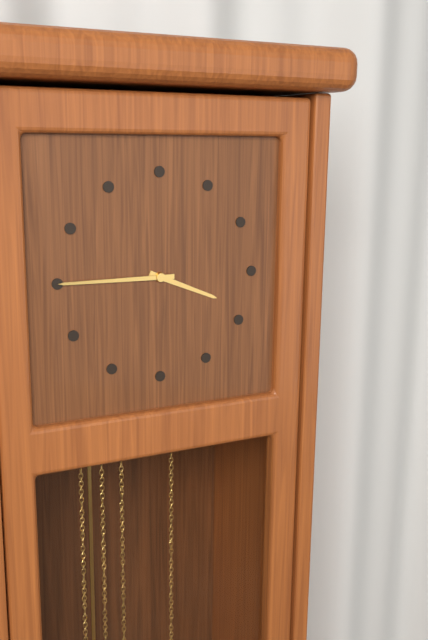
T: 3:45
